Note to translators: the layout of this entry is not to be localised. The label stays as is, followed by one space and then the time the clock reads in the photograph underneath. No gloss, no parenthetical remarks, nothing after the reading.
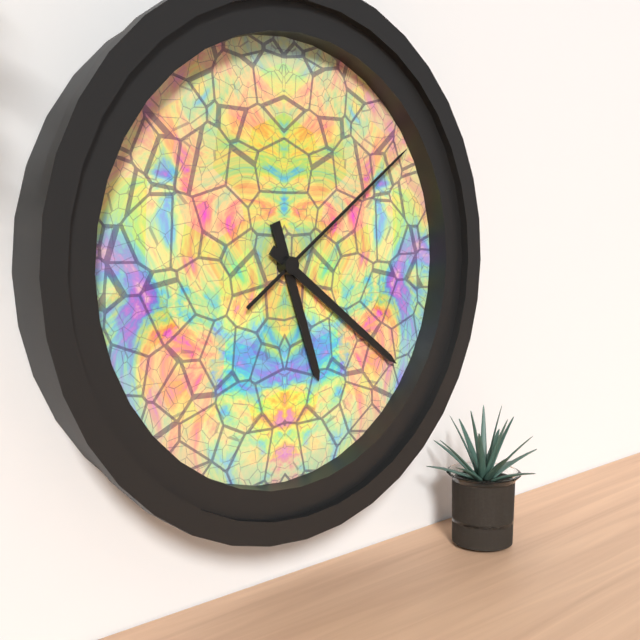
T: 5:21:09
